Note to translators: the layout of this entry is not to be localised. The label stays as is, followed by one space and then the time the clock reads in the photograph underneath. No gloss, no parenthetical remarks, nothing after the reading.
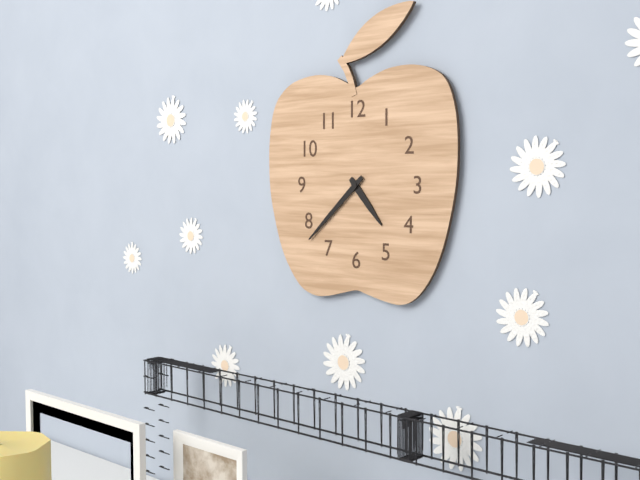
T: 4:38
